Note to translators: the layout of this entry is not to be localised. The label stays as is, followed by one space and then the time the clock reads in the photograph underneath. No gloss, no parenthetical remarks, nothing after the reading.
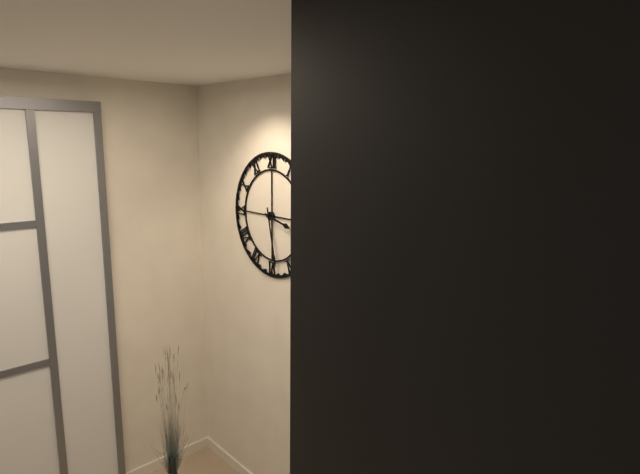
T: 3:28
